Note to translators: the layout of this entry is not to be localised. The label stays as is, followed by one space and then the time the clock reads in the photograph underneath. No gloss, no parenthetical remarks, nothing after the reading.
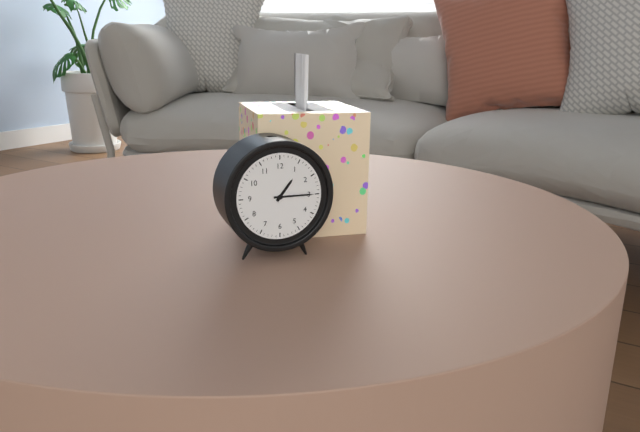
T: 1:15
